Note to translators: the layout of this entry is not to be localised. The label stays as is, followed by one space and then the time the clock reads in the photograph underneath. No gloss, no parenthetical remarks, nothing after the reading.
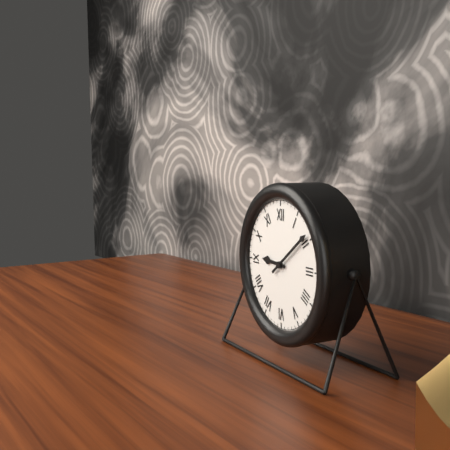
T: 9:09
